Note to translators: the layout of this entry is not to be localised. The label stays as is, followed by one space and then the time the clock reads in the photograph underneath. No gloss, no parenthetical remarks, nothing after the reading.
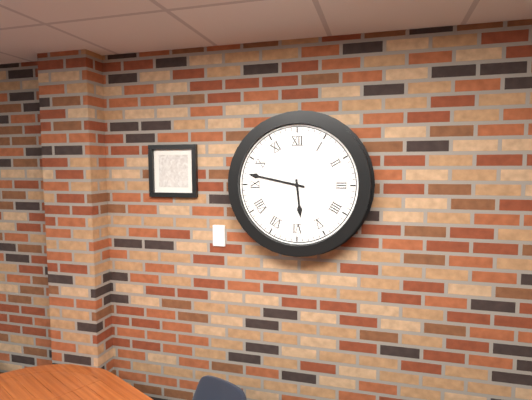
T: 5:47
